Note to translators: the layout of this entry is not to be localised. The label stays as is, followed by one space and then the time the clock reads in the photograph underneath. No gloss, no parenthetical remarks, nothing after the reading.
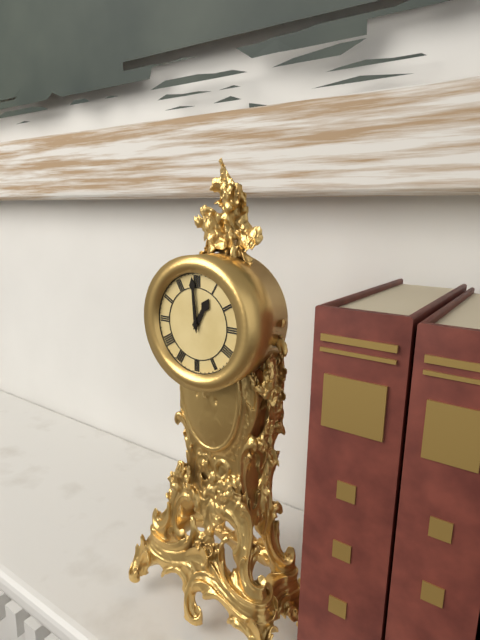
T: 12:59
